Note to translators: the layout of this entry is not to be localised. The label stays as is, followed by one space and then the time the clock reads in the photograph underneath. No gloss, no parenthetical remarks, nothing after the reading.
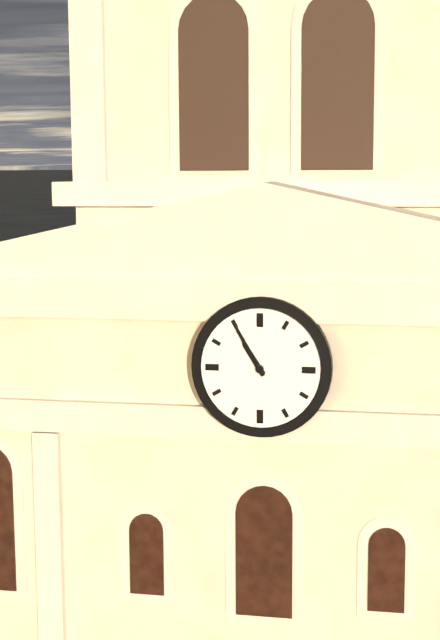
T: 10:55
